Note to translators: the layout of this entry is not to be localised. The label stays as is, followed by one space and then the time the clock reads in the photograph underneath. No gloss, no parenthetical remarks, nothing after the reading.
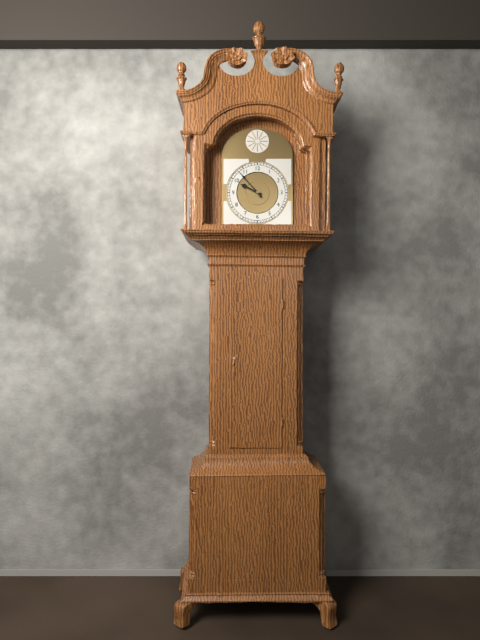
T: 9:53
